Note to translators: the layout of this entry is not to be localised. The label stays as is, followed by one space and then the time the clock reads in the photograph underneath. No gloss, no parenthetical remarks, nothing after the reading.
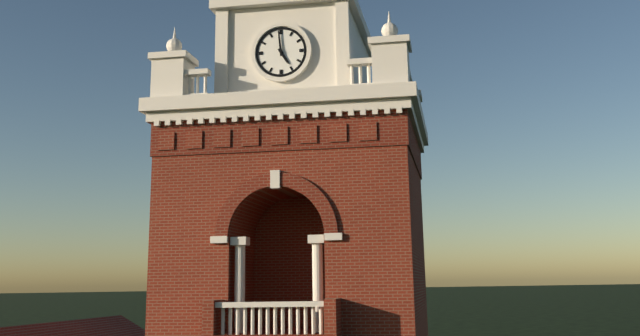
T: 4:59
